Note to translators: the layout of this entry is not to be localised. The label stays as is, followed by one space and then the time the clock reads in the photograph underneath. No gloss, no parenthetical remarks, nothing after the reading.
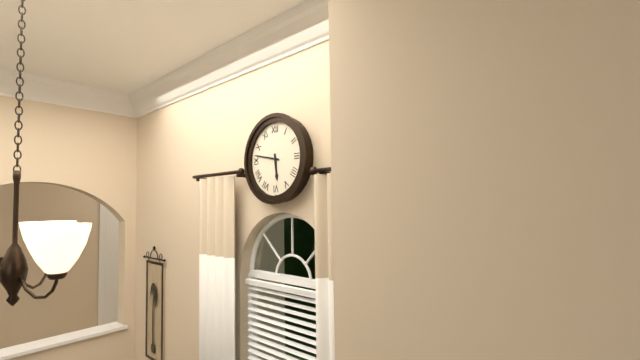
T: 5:47
